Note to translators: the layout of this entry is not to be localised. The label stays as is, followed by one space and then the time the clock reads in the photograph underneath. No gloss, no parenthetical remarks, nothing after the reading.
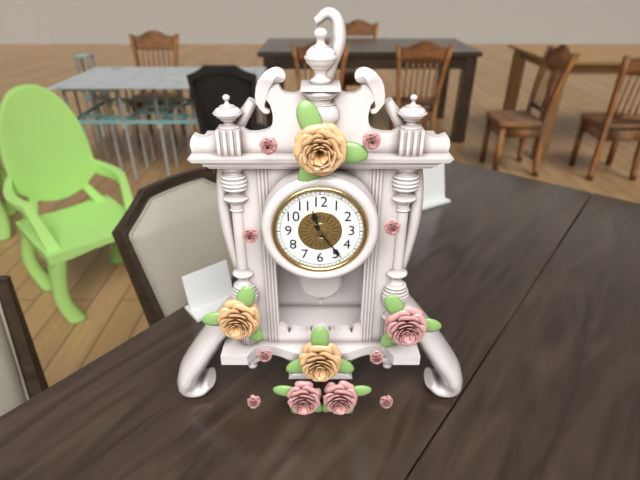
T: 11:24
